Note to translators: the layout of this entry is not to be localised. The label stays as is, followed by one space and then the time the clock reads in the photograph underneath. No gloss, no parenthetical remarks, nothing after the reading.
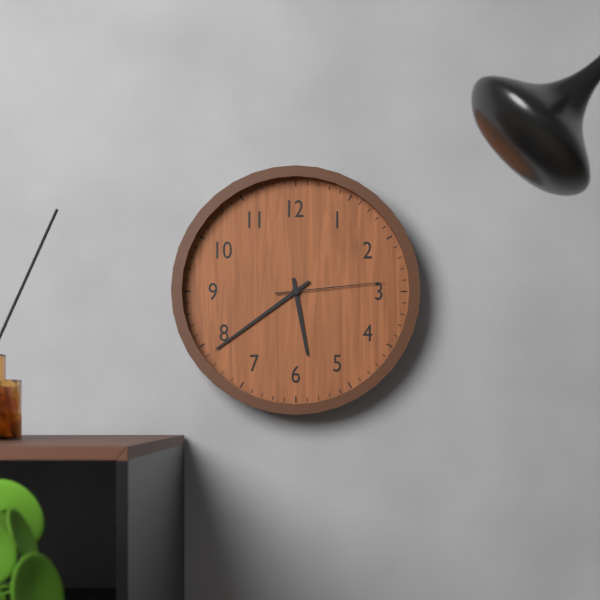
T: 5:39:14
